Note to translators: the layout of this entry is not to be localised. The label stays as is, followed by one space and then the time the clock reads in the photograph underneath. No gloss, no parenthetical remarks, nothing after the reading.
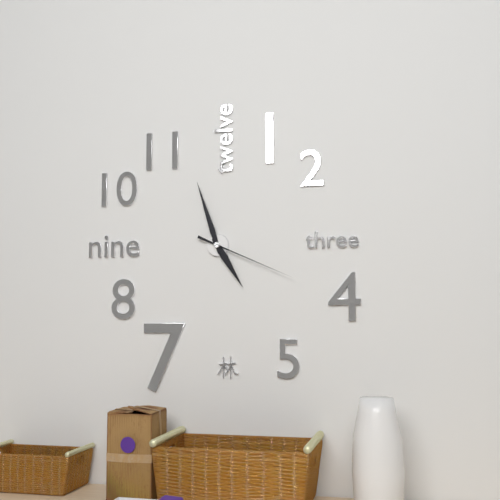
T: 4:57:19
